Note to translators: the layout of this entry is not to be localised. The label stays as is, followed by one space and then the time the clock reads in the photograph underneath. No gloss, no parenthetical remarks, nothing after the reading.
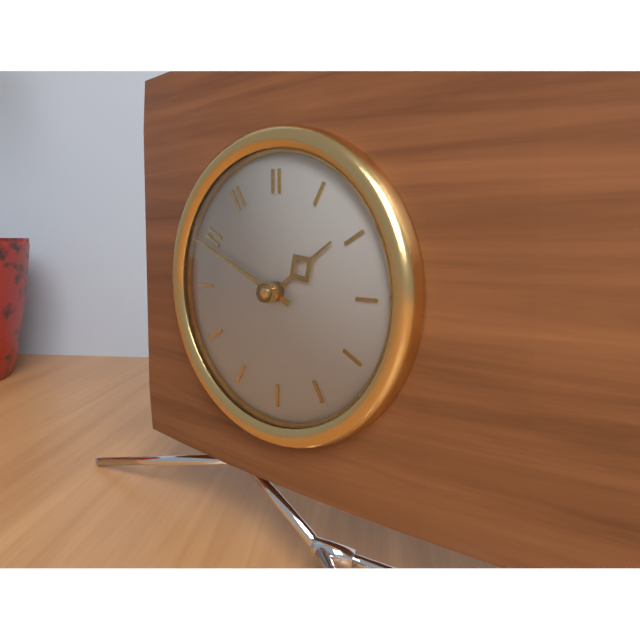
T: 1:49
